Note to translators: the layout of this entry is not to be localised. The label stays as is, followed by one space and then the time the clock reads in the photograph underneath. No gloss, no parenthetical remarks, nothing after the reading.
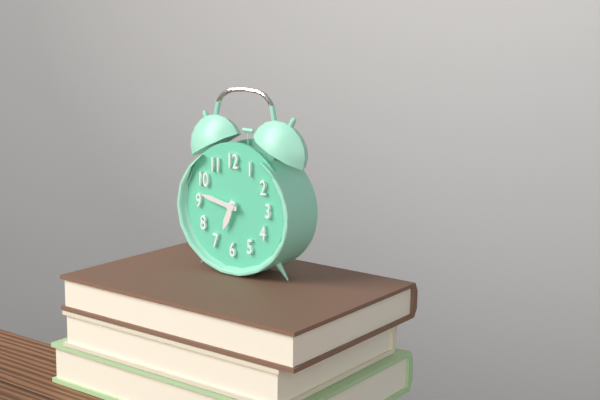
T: 6:47
